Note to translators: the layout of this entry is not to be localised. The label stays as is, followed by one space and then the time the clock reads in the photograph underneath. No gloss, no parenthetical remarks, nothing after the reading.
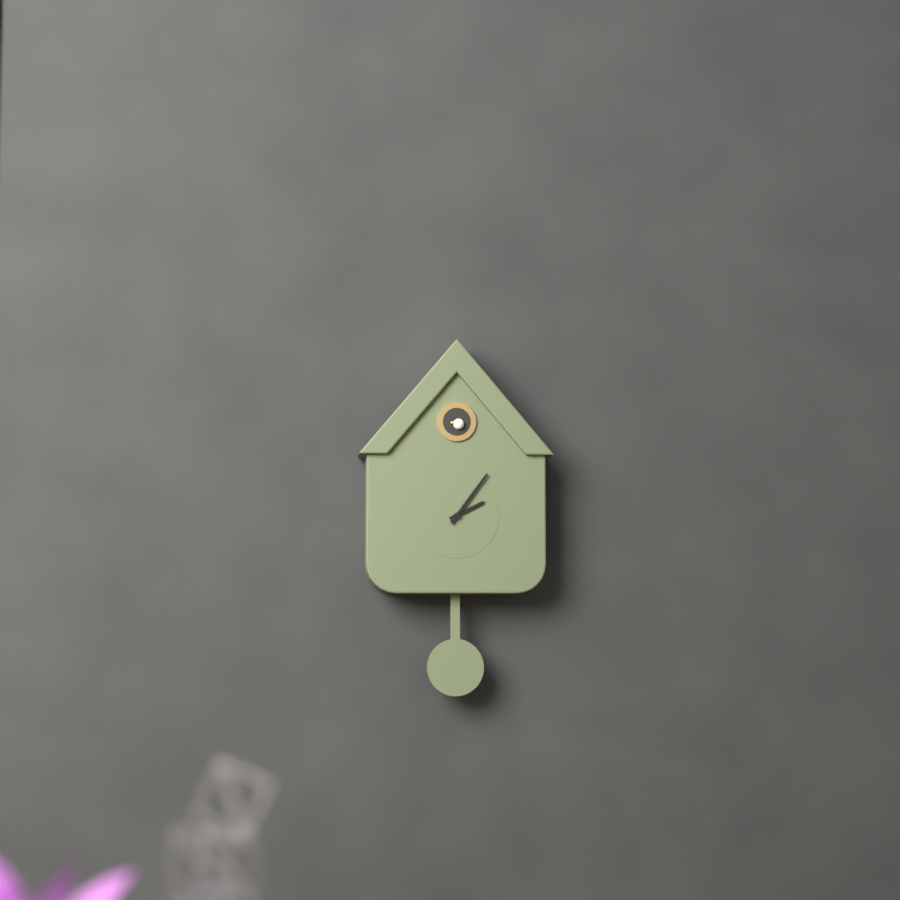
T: 2:06
